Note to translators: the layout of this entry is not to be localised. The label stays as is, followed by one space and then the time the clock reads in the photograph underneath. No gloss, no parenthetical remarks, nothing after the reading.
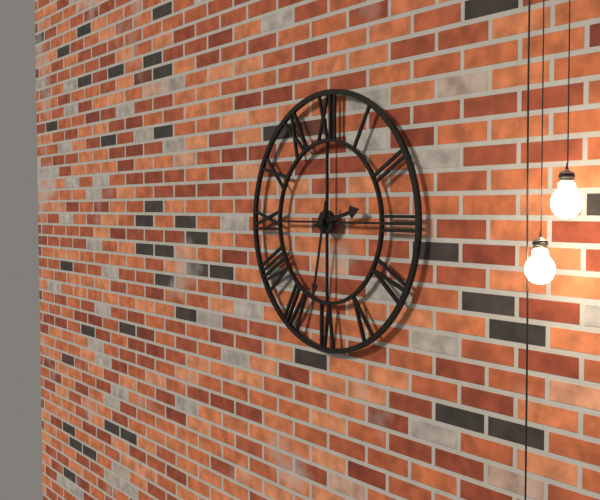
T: 2:32
